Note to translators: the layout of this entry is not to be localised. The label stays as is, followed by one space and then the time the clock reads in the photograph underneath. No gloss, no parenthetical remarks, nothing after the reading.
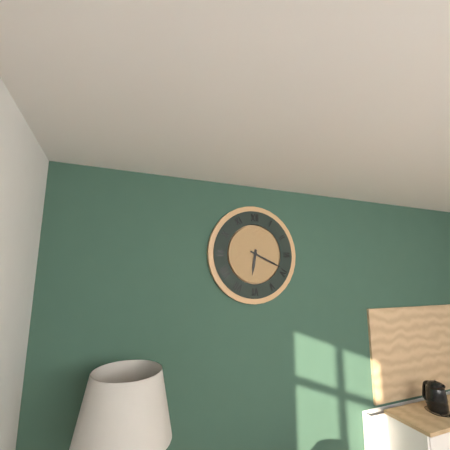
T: 6:19
